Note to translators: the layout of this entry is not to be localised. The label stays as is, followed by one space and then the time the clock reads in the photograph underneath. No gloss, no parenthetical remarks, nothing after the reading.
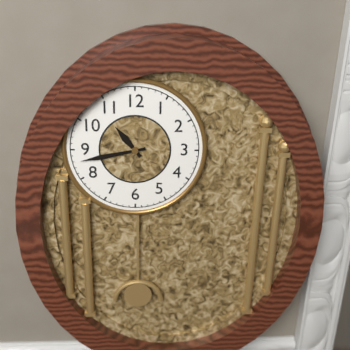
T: 10:43
